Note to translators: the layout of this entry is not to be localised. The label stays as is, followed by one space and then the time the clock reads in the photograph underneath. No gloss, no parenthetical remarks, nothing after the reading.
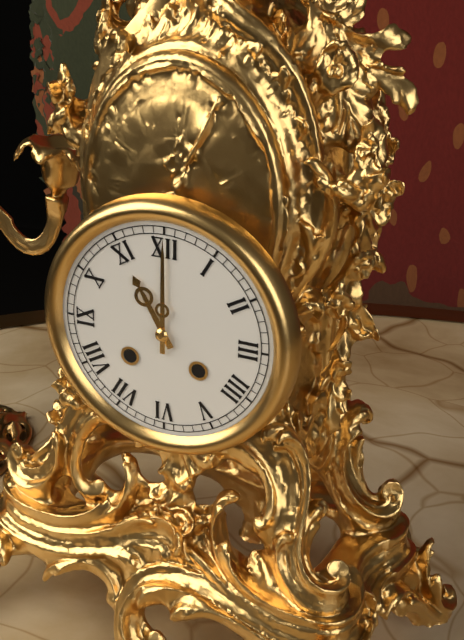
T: 11:00
